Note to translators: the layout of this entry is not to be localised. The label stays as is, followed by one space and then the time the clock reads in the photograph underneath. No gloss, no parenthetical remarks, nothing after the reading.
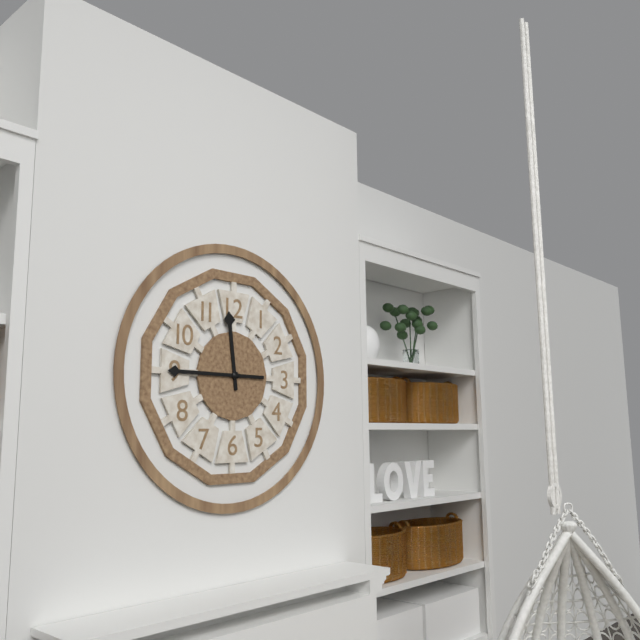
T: 11:45
